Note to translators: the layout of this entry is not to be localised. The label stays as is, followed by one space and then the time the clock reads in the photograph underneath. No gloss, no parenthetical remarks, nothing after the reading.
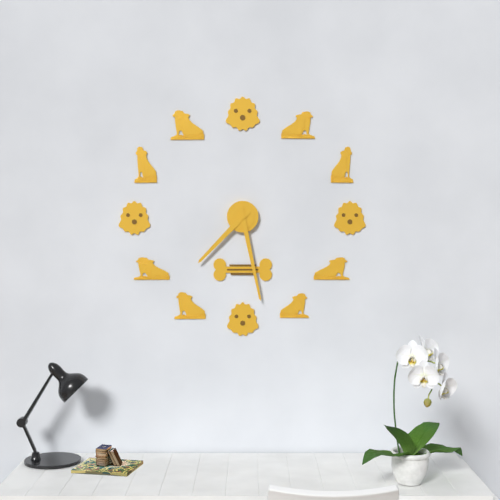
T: 7:28
